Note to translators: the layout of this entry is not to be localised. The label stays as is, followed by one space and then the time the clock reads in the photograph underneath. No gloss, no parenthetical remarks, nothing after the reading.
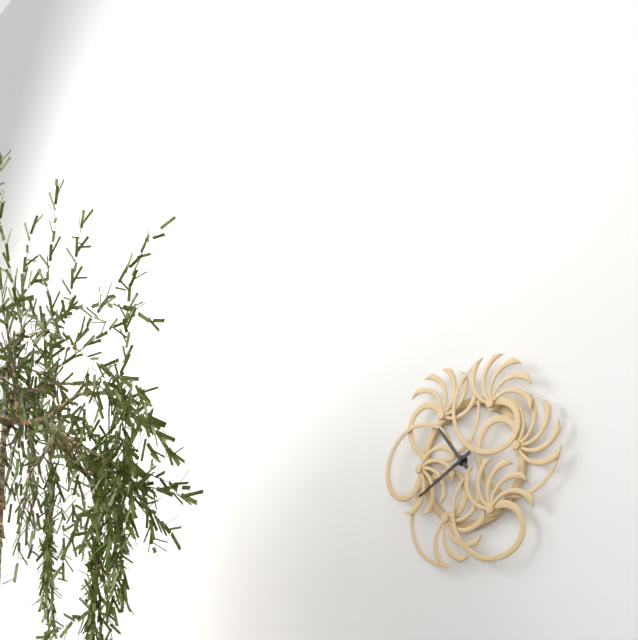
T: 10:40
